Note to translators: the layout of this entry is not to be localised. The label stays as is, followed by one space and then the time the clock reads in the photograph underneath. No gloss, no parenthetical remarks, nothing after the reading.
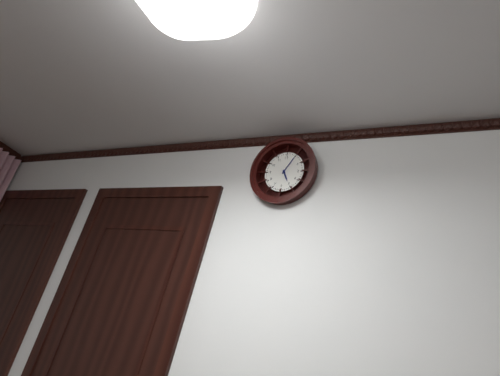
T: 5:05
